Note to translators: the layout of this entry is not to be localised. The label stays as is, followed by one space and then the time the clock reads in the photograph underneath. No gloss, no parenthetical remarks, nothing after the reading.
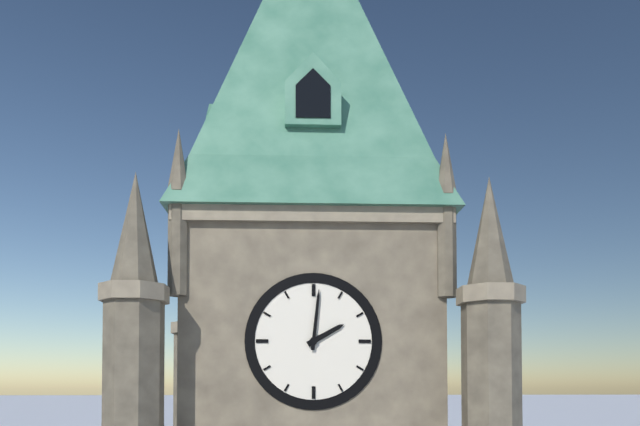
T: 2:01
